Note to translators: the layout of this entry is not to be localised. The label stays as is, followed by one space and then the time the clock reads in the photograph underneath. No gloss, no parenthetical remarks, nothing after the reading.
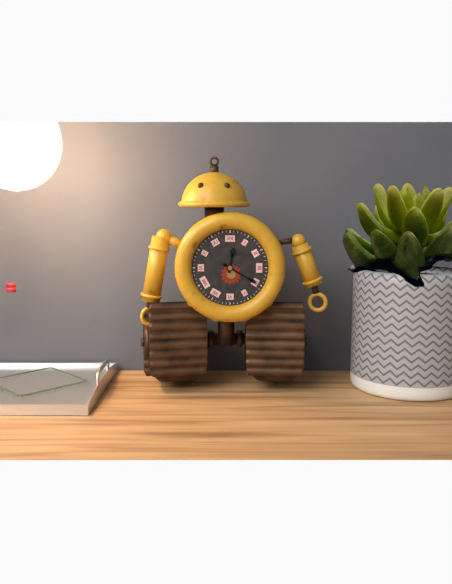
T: 12:20
